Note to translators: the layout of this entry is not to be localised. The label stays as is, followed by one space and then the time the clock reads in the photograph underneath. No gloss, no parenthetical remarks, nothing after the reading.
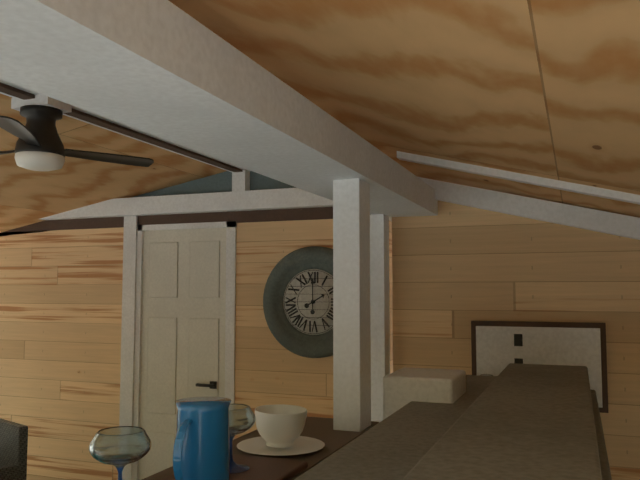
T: 2:00
